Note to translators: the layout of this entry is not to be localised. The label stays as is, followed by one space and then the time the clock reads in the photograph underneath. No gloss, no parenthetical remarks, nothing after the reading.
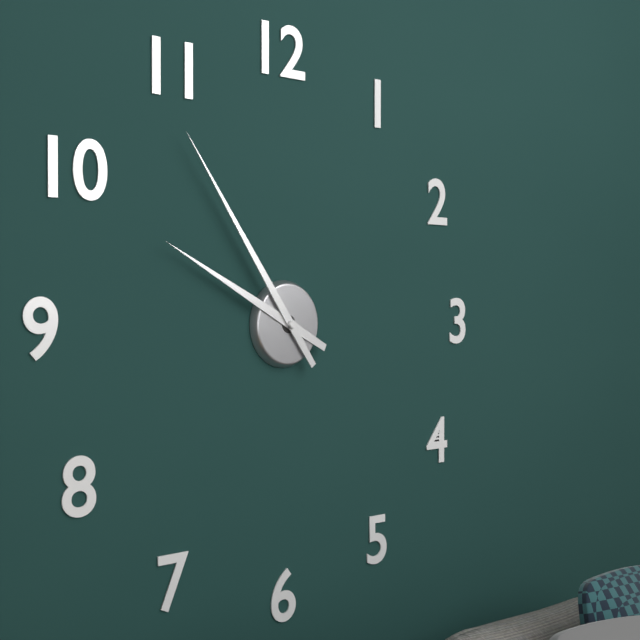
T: 9:54
